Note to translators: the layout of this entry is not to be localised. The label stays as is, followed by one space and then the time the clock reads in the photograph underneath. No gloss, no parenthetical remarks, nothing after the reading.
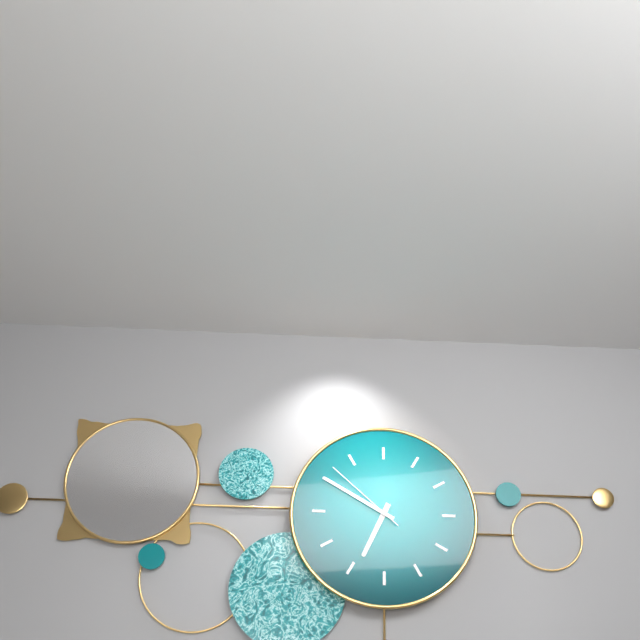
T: 6:50:52
